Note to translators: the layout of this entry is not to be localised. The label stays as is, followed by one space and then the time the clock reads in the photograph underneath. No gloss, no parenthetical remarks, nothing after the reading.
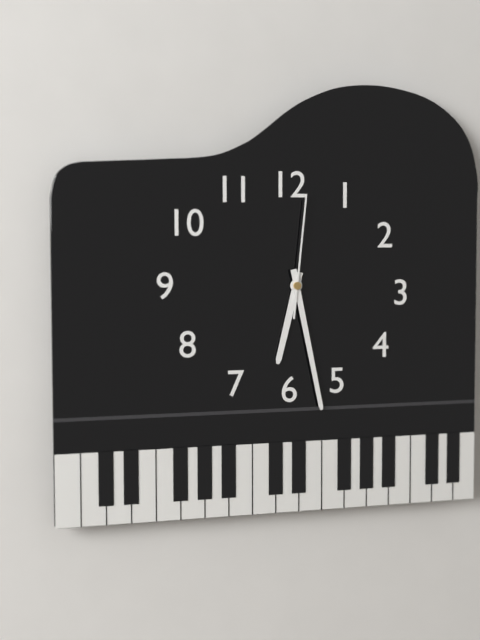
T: 6:28:01
